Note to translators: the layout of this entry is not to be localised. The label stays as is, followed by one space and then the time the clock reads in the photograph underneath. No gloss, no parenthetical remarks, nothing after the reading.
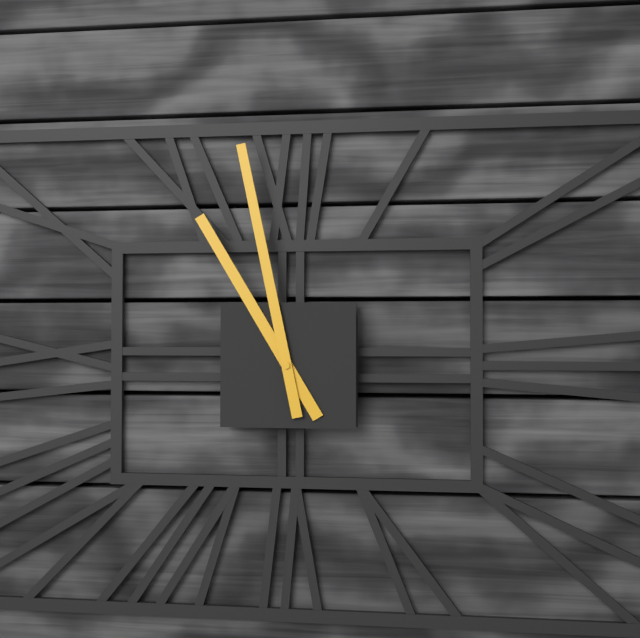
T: 10:58
